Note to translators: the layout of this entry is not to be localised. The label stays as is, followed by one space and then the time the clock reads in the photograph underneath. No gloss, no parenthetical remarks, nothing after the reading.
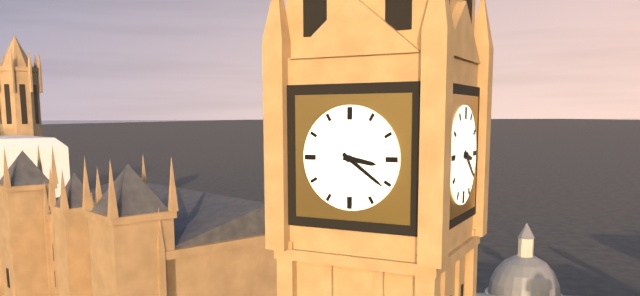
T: 3:21
